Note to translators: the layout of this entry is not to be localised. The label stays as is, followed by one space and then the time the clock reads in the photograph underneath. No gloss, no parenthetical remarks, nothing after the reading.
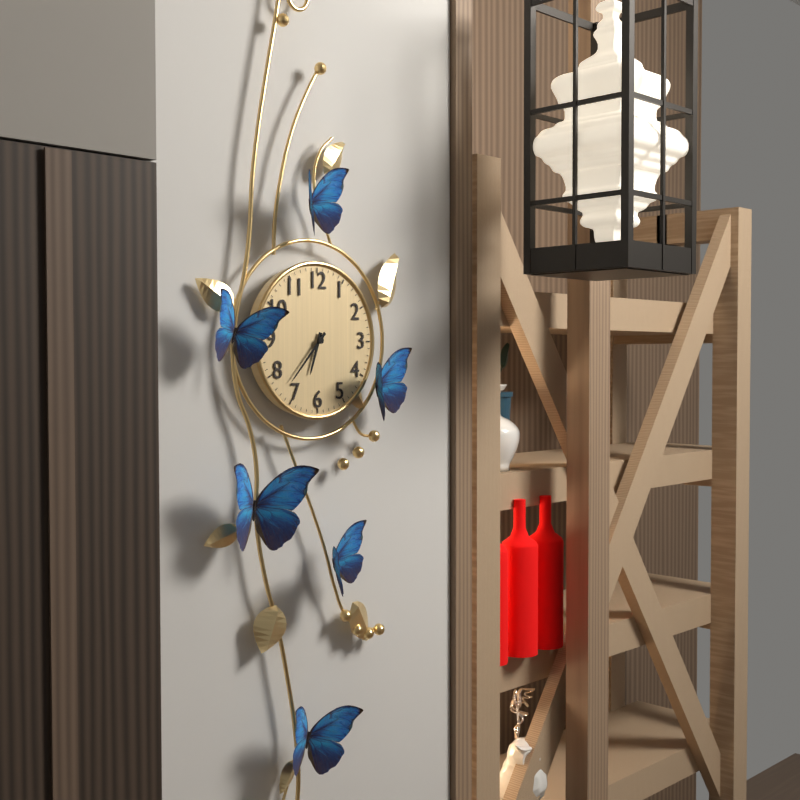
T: 6:37
